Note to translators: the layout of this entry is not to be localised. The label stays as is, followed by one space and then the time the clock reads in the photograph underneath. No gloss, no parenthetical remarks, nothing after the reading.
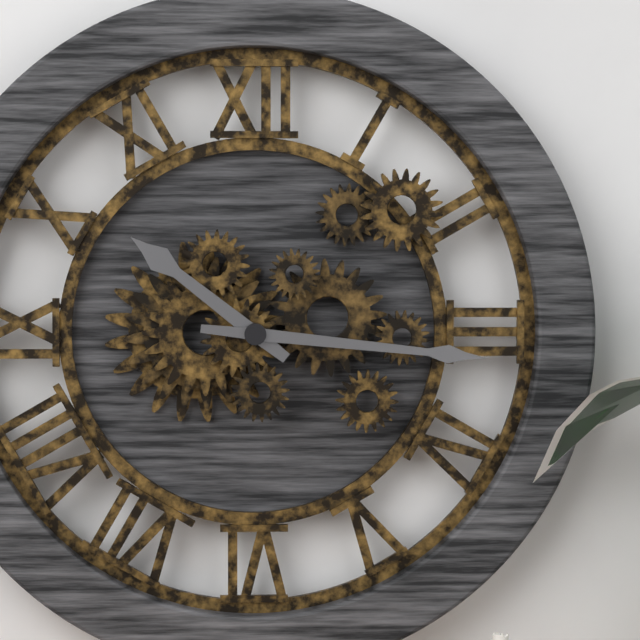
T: 10:16
